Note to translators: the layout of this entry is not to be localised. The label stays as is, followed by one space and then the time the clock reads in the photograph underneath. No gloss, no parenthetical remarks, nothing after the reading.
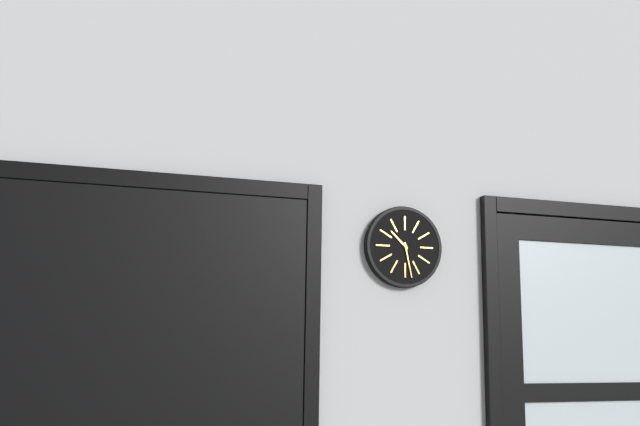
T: 10:28
